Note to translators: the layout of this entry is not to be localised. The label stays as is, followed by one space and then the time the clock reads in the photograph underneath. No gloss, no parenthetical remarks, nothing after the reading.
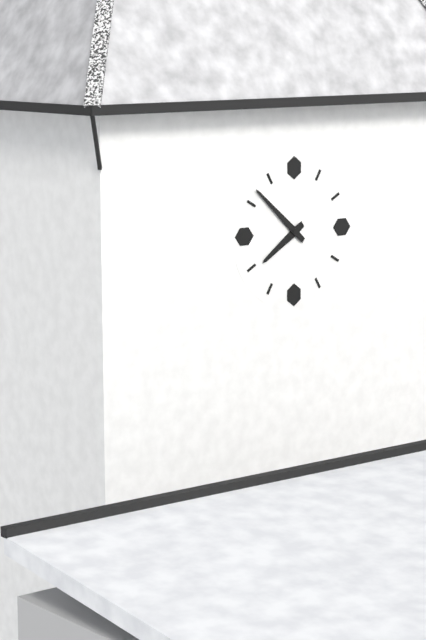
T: 7:52
